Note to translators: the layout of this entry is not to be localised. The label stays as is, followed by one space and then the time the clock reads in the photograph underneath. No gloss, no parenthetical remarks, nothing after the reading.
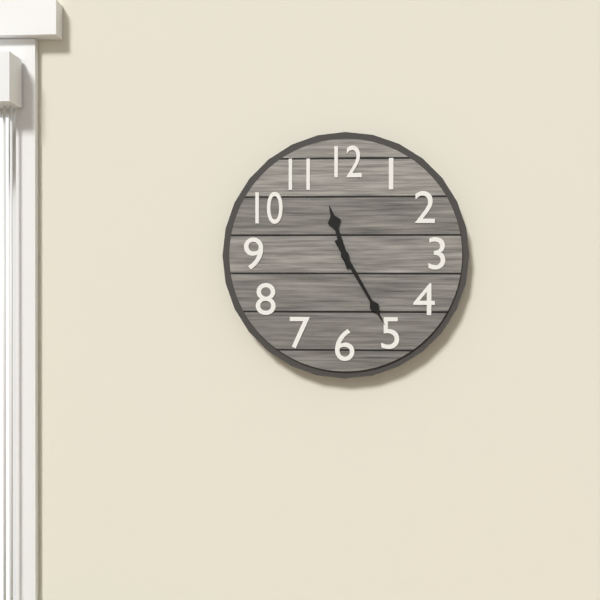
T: 11:25
